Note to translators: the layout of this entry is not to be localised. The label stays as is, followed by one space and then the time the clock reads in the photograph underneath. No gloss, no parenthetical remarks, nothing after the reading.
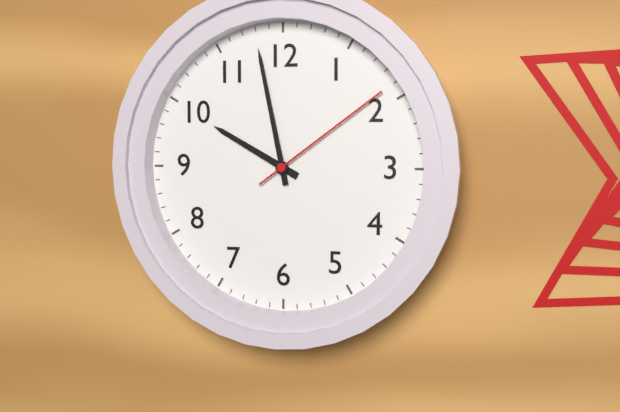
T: 9:58:09
